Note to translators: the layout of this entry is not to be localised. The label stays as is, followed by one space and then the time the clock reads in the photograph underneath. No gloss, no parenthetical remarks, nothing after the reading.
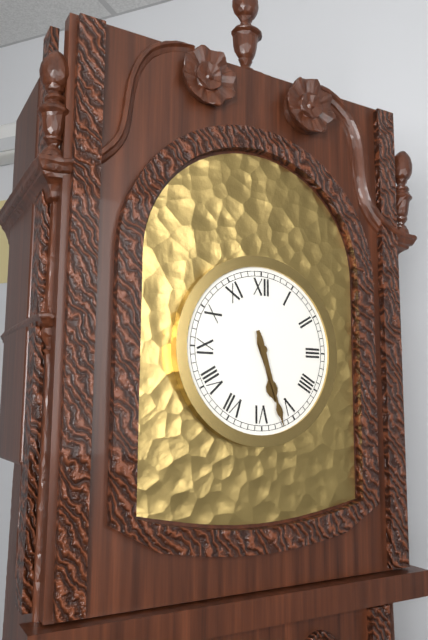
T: 5:27
